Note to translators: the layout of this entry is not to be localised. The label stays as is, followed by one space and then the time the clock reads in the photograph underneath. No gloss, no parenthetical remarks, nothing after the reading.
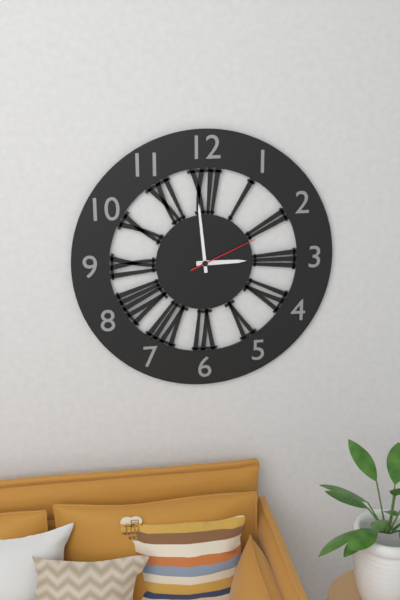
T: 2:59:11
